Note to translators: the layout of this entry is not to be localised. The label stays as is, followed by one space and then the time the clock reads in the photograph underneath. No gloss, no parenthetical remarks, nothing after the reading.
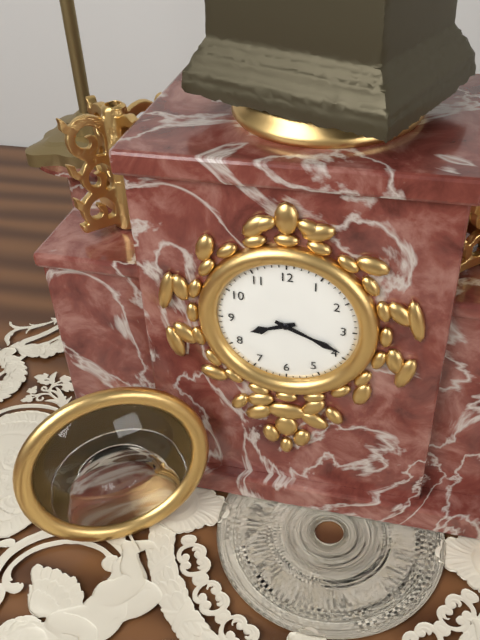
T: 8:19
